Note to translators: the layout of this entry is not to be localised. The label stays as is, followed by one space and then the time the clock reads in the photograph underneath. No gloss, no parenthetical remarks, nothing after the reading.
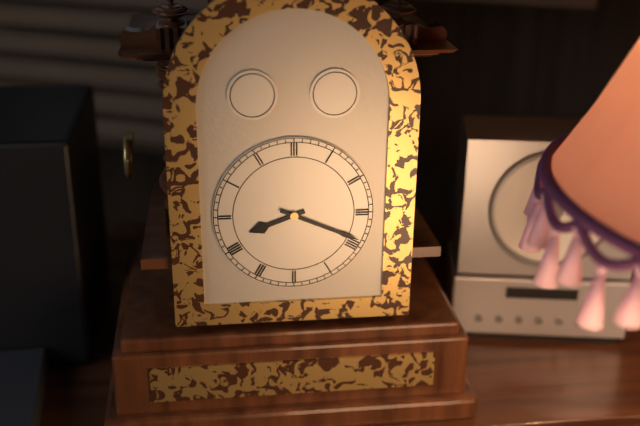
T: 8:19
